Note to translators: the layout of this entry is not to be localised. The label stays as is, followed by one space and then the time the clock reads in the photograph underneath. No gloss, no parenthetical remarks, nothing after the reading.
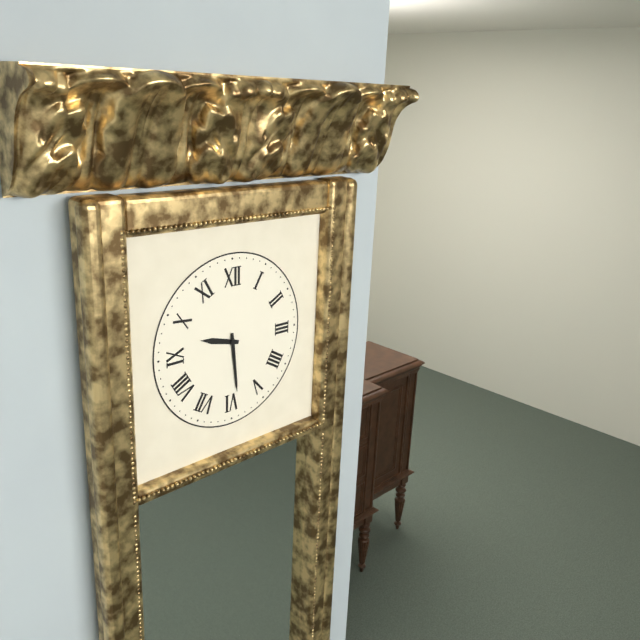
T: 9:29
